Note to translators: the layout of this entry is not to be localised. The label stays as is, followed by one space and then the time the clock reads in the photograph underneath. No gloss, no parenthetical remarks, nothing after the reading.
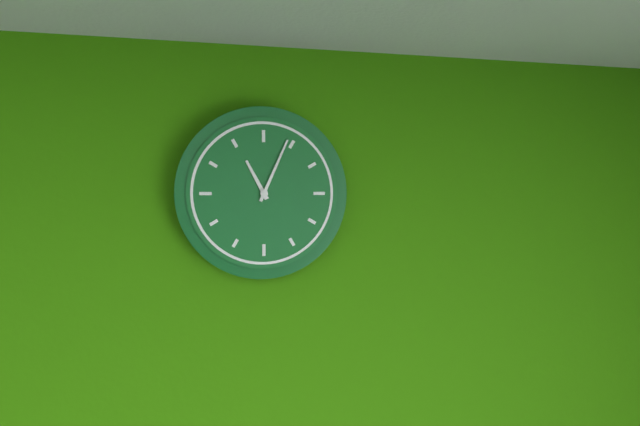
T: 11:04
